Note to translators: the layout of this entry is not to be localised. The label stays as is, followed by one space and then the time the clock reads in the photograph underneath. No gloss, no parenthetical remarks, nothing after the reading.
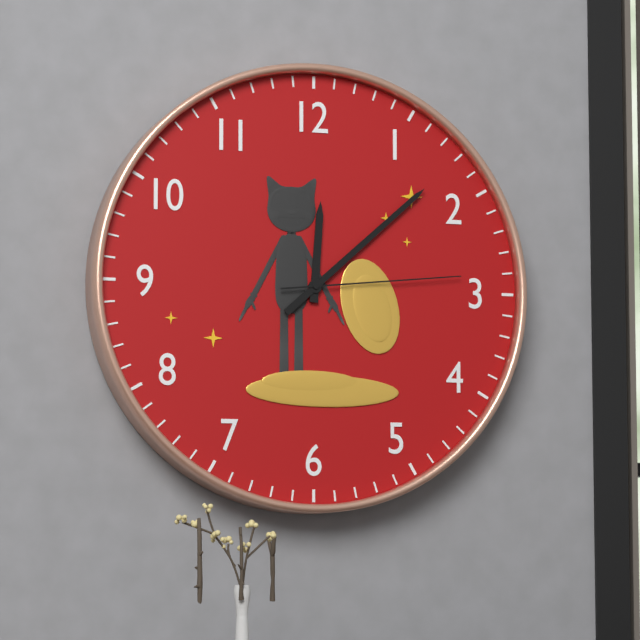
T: 12:08:14
